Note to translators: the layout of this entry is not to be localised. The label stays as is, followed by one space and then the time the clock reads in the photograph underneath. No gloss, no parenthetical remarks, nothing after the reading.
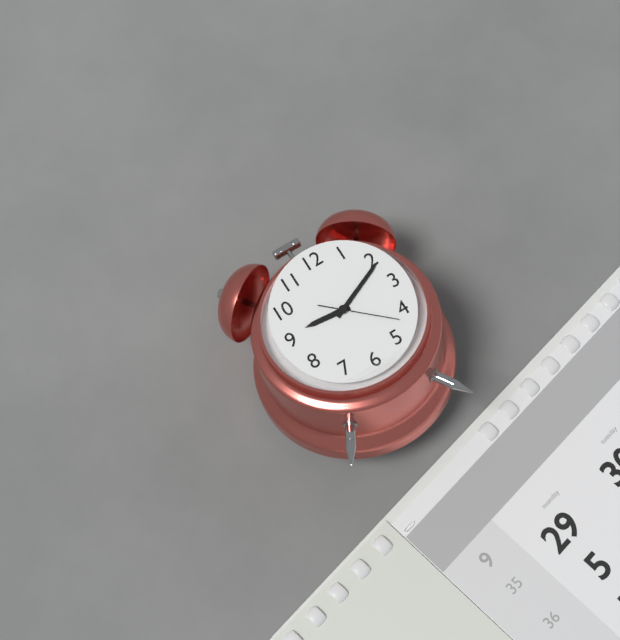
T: 9:11:22
